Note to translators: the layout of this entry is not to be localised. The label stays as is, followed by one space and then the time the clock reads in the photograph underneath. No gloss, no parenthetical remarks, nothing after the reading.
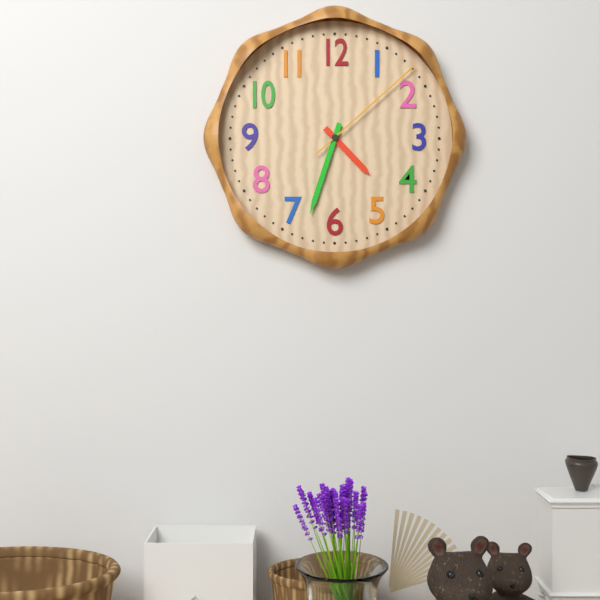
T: 4:33:08
